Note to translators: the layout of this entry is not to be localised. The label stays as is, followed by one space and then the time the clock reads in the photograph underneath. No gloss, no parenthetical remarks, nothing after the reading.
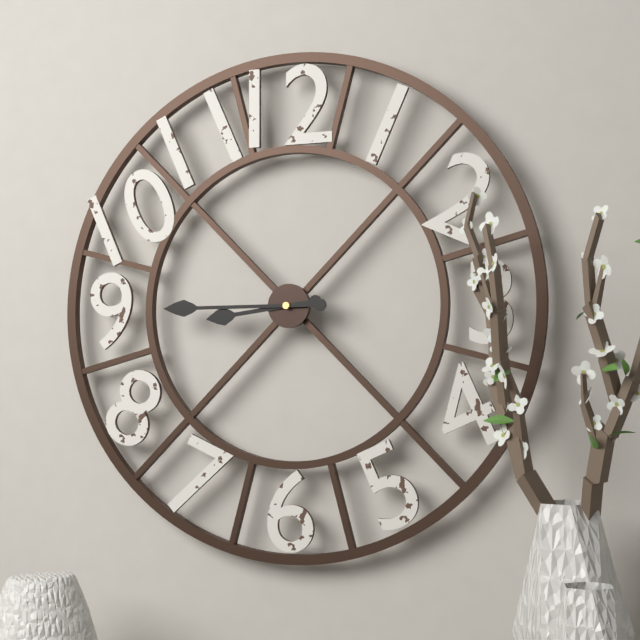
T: 8:45
